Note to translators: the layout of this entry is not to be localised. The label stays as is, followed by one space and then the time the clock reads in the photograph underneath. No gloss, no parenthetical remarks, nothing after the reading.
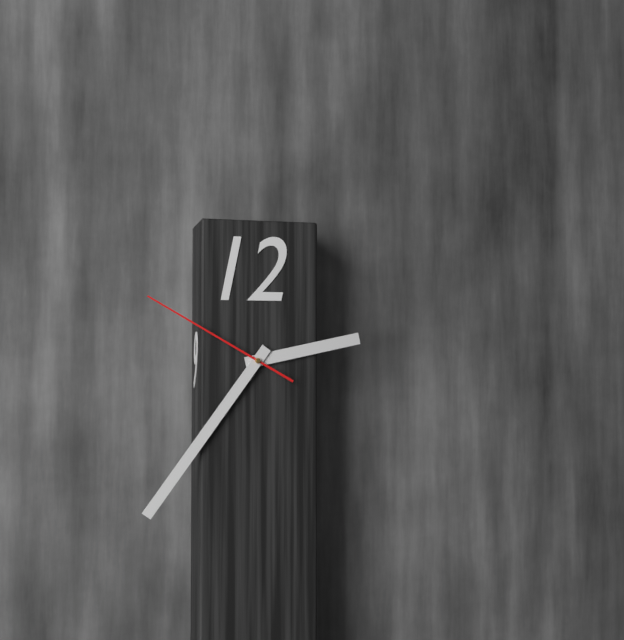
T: 2:36:50
